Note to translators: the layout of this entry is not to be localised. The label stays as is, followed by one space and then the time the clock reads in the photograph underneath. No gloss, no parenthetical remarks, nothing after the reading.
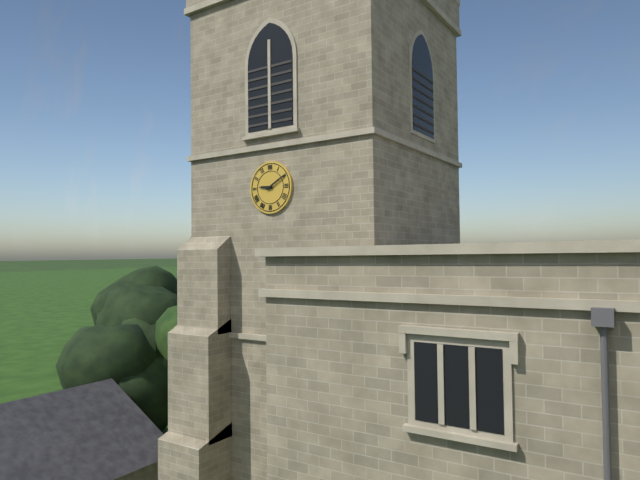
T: 9:10
